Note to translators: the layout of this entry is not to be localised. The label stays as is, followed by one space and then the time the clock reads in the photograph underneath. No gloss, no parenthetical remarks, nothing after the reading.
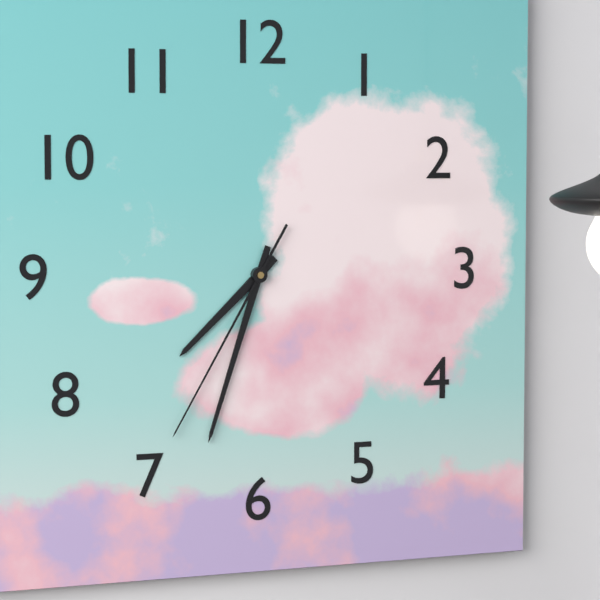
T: 7:33:35
